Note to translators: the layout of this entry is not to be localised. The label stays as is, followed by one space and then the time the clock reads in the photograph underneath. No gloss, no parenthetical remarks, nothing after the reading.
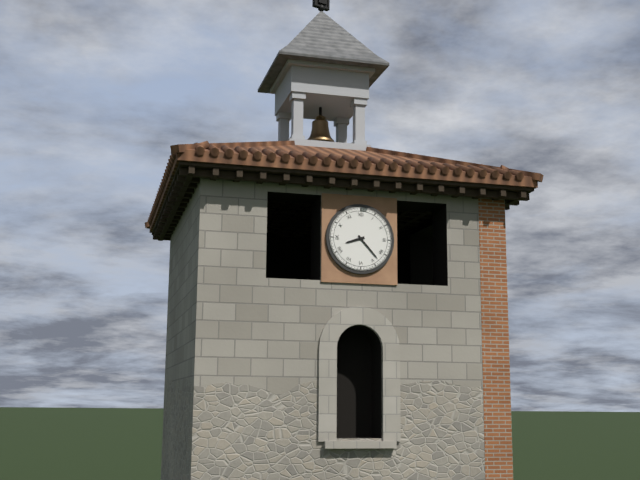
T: 8:23
